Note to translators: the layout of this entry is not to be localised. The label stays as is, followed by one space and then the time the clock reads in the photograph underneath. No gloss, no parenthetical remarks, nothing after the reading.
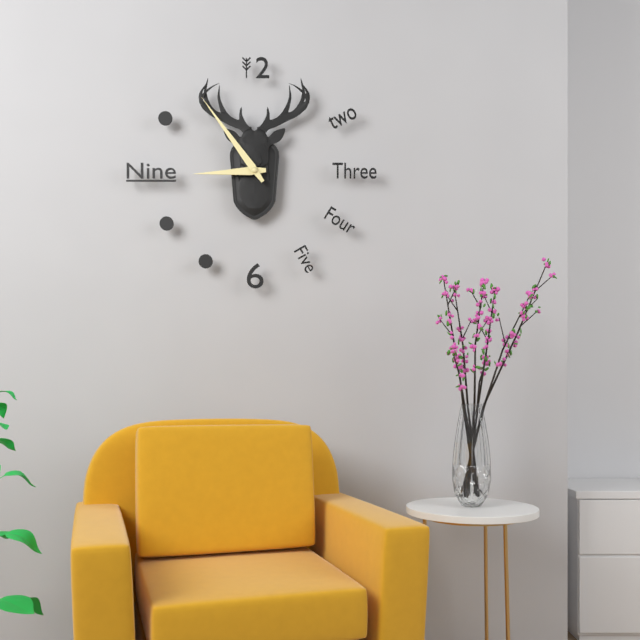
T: 8:54
